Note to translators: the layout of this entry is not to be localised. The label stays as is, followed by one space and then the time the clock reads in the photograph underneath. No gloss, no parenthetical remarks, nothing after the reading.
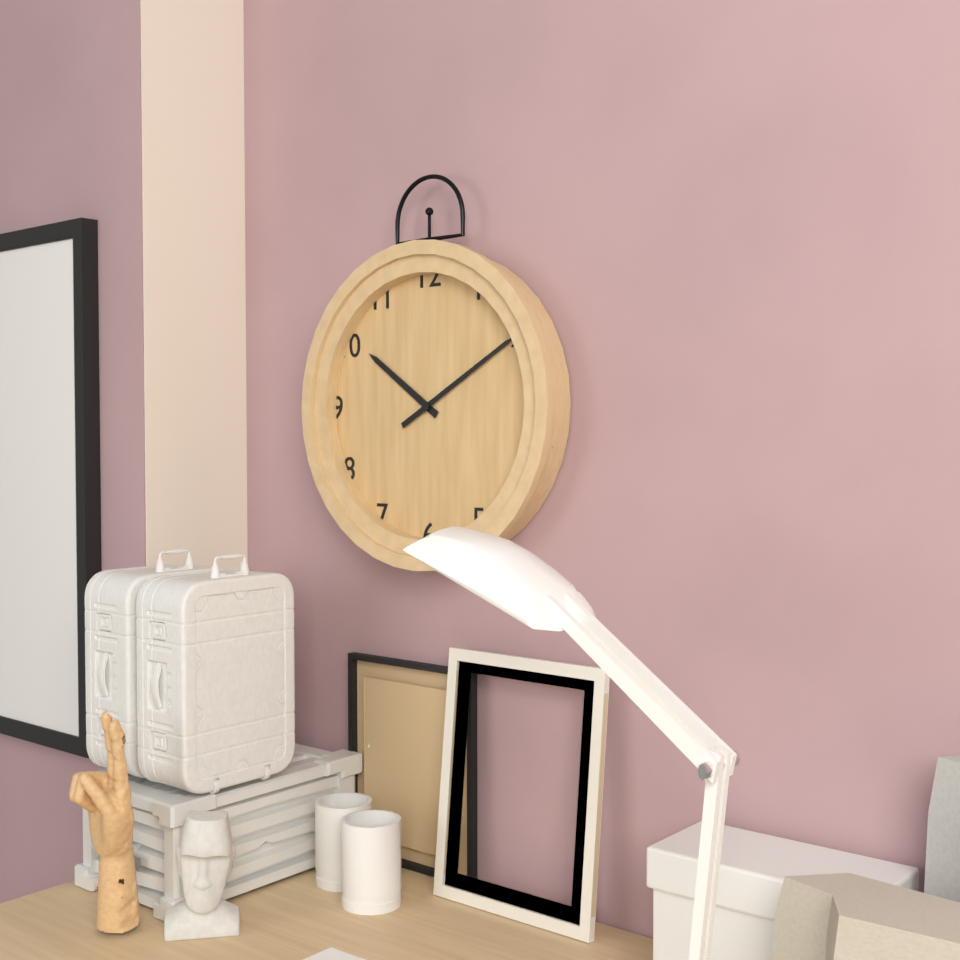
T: 10:10
